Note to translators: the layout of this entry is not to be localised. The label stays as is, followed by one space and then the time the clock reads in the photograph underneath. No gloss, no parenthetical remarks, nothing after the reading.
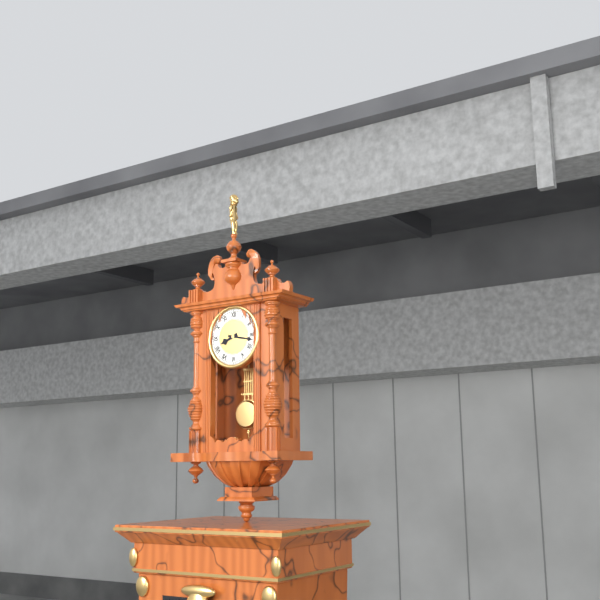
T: 8:17
